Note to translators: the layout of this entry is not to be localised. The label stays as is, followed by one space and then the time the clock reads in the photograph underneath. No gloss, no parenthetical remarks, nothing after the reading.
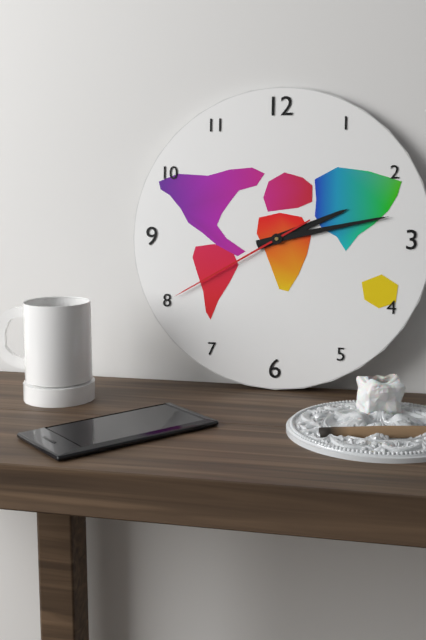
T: 2:13:40
